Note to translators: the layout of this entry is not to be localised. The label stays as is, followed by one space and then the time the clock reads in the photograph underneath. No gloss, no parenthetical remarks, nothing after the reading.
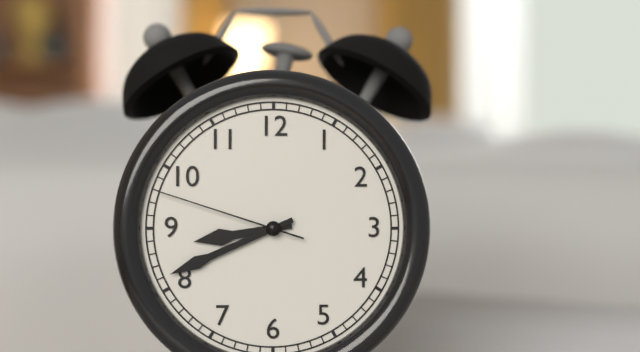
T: 8:41:48
